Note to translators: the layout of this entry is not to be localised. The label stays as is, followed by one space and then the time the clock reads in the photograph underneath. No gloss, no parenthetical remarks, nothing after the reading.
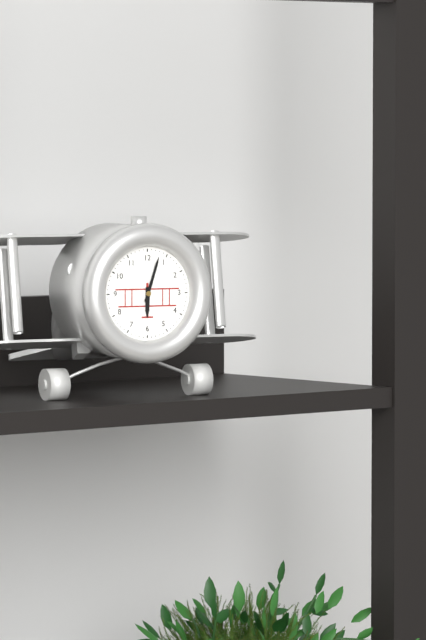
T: 6:03
